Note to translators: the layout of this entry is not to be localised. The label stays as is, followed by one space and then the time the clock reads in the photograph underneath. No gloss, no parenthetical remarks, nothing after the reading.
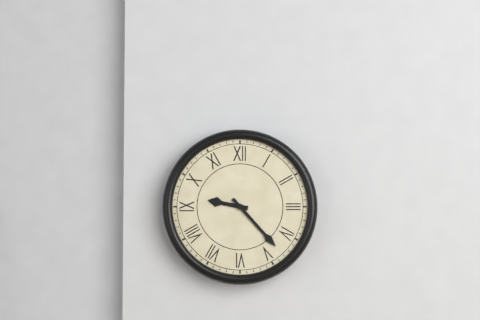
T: 9:23
